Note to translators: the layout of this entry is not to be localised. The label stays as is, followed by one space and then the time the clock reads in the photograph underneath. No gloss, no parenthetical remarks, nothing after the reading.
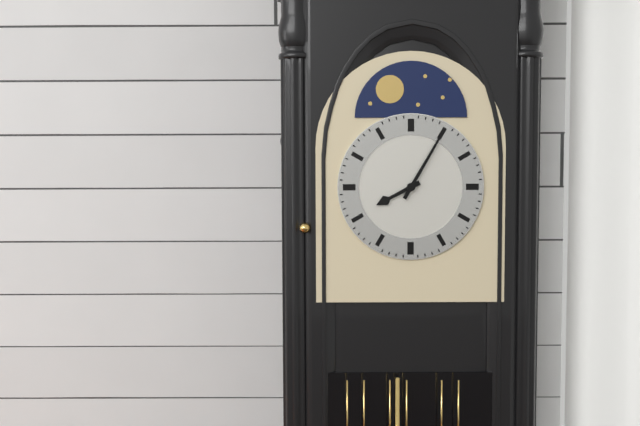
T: 8:05
